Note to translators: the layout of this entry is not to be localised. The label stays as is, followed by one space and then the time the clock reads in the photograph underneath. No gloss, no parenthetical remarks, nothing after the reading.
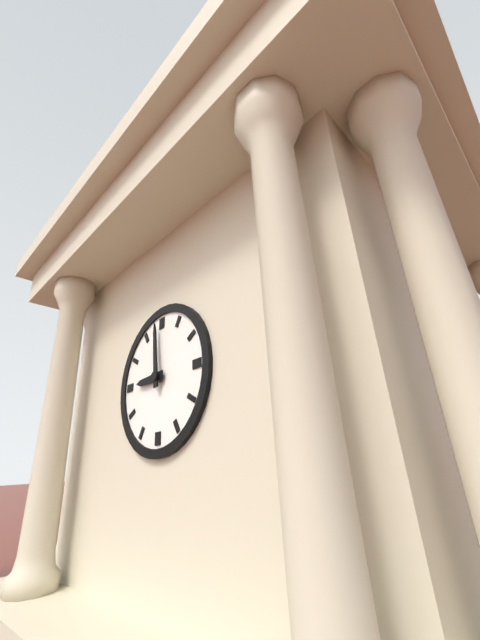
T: 8:59
